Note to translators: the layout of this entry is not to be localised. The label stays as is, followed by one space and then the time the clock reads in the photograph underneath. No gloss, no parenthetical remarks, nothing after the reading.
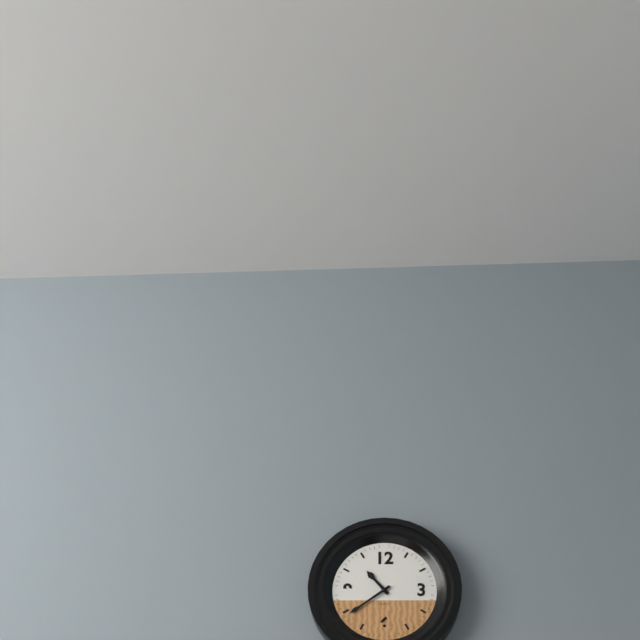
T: 10:39
